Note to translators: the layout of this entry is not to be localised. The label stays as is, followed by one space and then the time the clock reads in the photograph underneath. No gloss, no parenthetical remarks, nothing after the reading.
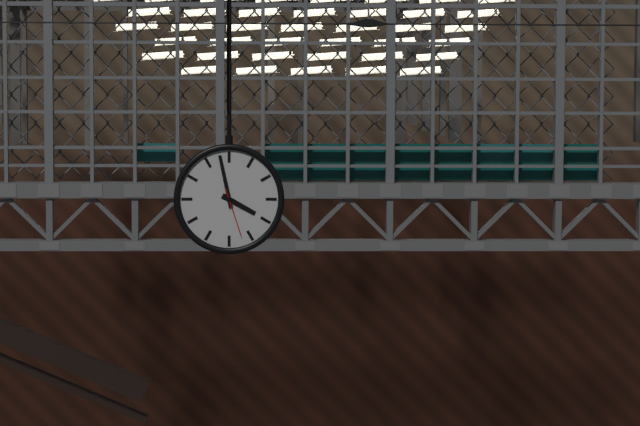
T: 3:58
